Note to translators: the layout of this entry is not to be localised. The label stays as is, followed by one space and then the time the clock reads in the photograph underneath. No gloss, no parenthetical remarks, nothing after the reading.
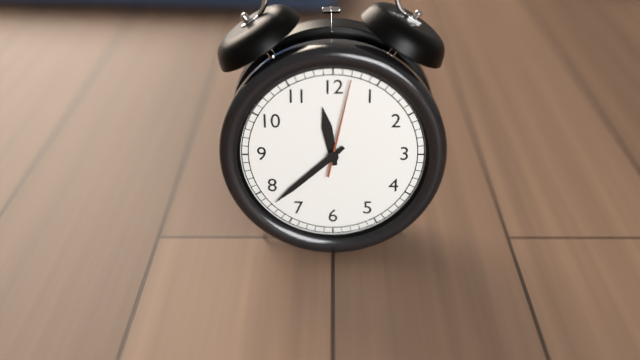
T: 11:38:02
